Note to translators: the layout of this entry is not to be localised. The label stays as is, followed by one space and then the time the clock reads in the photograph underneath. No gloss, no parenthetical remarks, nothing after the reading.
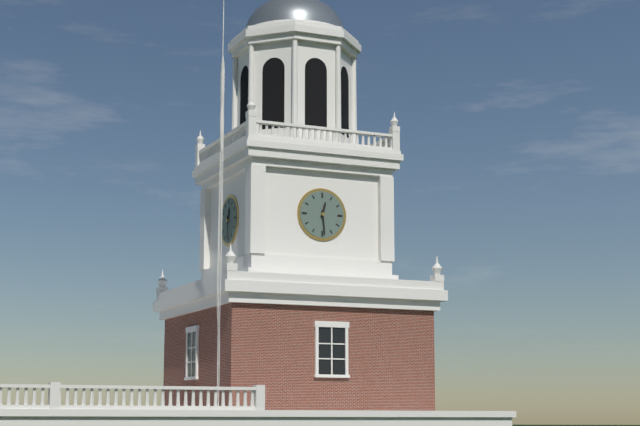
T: 12:29
